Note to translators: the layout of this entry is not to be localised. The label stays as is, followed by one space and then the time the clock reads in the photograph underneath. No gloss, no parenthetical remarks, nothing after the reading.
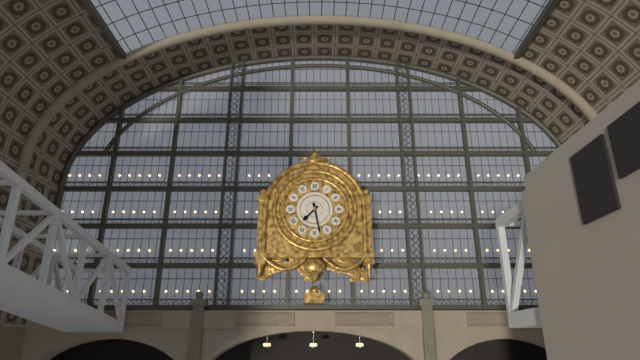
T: 7:28
